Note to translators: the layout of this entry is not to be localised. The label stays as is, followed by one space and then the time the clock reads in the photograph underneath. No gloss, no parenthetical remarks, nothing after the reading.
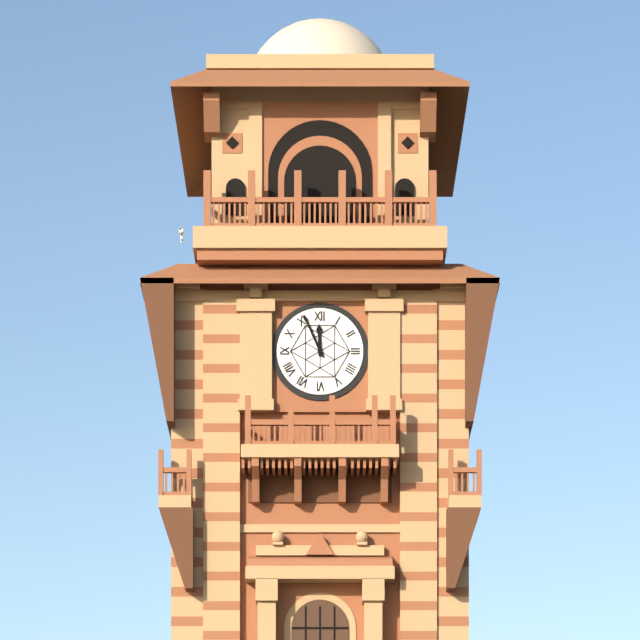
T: 11:56
